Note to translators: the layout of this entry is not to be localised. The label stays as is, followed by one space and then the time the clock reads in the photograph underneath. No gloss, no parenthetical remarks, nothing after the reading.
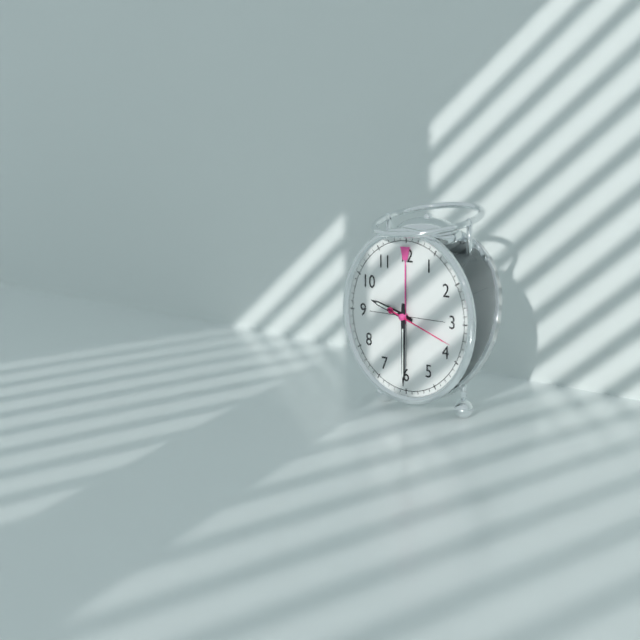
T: 9:30:18
